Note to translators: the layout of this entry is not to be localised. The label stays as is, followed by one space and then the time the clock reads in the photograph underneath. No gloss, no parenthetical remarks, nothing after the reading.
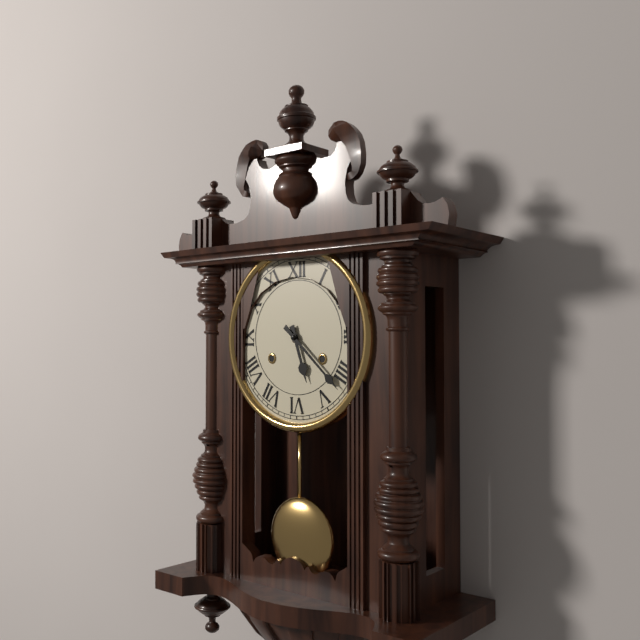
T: 5:22
